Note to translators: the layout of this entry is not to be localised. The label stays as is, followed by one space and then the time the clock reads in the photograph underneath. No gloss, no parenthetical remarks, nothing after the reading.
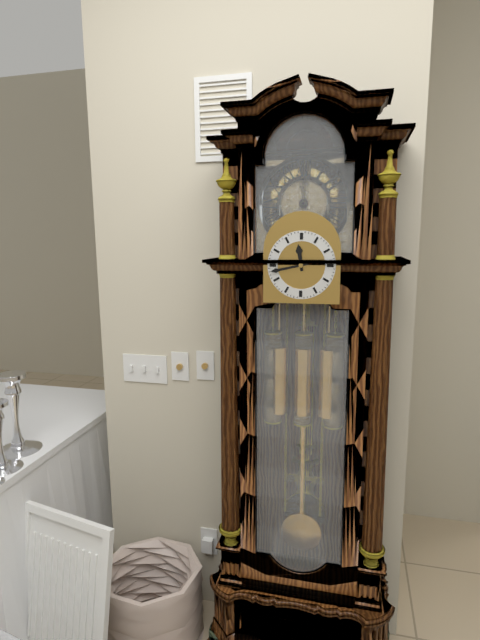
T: 11:43
